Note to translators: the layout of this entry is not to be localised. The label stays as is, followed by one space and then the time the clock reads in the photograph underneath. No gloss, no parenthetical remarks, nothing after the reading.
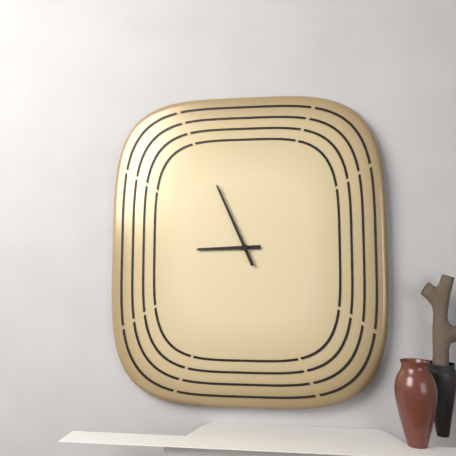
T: 8:56
